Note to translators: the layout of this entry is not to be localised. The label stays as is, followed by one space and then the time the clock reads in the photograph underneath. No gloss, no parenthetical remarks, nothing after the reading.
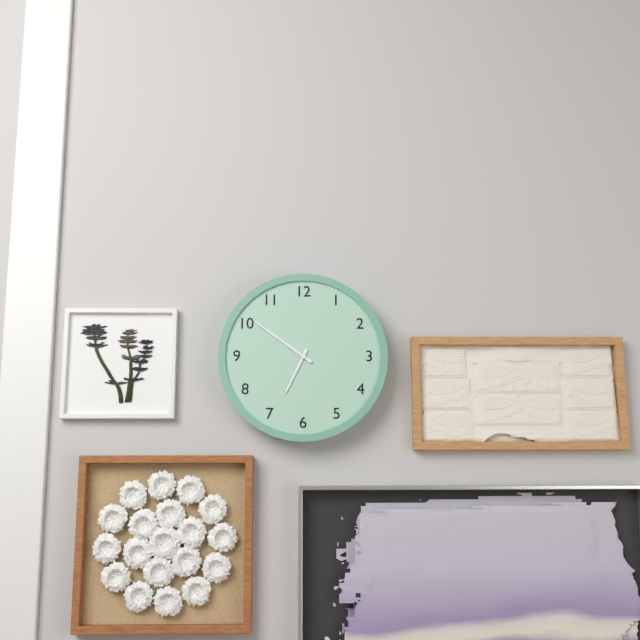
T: 6:51
